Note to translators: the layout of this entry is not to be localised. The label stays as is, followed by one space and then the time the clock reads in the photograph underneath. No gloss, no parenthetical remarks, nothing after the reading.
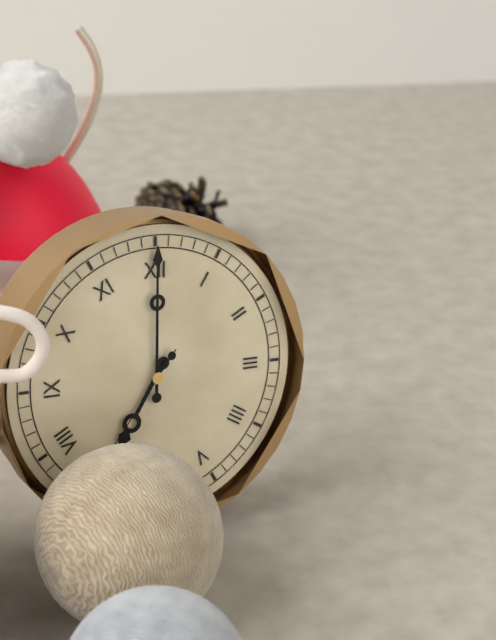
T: 7:00
